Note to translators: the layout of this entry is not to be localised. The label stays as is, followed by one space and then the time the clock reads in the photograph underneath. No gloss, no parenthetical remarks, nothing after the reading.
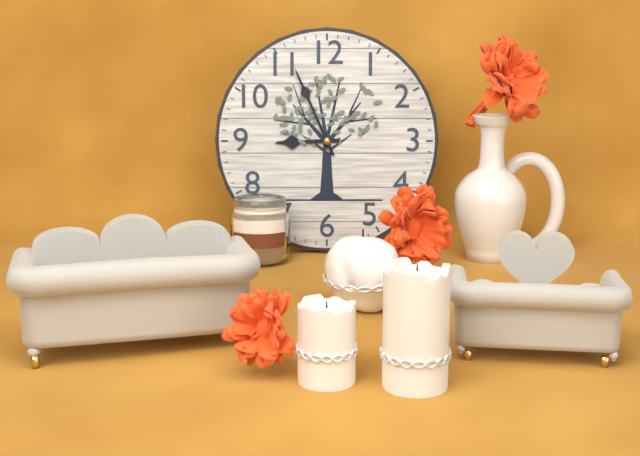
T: 8:56
